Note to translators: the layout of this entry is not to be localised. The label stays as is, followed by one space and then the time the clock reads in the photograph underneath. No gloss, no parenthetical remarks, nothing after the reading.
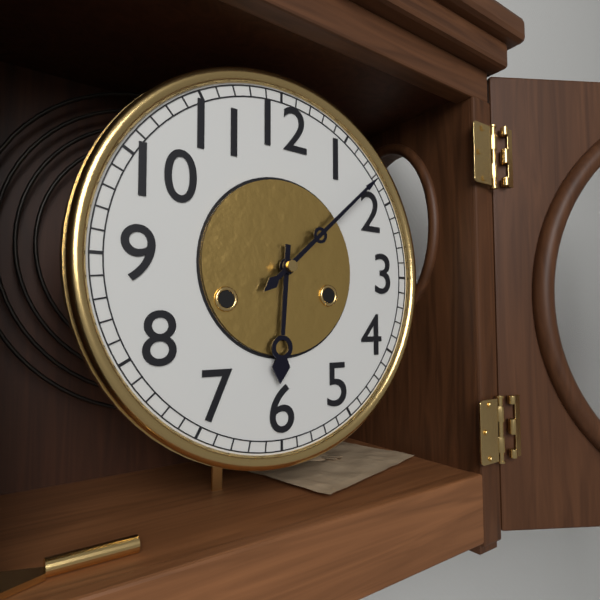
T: 6:08
